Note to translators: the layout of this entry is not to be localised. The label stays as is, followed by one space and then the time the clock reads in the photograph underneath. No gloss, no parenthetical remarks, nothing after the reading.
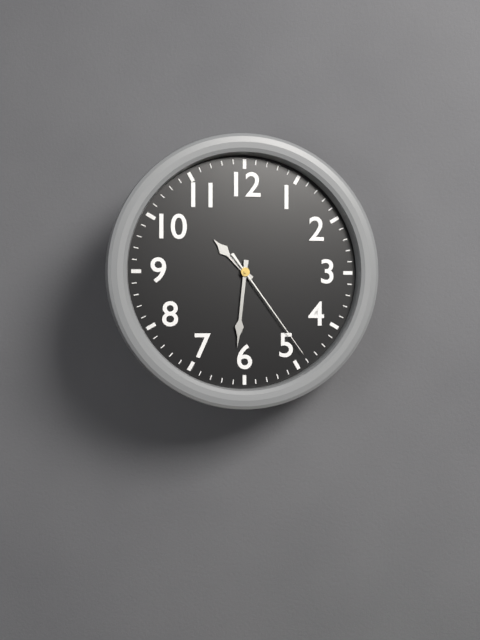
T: 10:31:24
